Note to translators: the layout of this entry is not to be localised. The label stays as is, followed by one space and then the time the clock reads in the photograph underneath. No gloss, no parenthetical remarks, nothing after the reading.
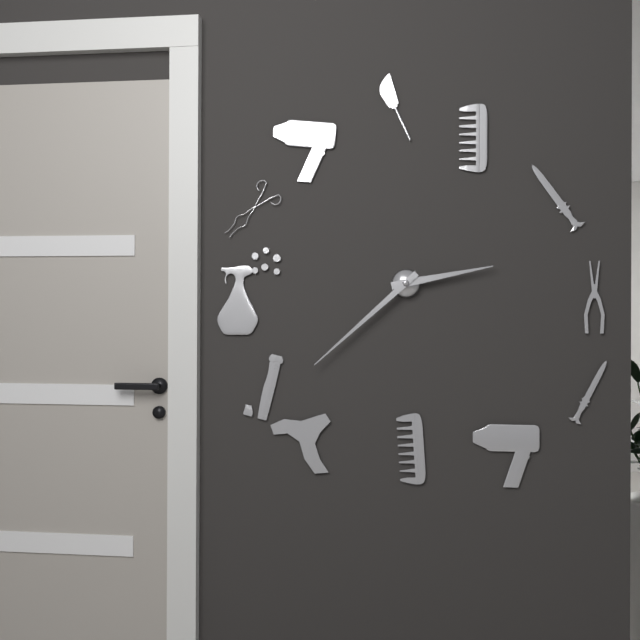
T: 2:38
